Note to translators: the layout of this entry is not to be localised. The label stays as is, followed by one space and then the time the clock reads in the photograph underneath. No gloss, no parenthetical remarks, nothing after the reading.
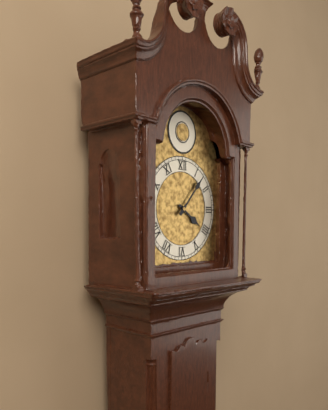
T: 4:07
